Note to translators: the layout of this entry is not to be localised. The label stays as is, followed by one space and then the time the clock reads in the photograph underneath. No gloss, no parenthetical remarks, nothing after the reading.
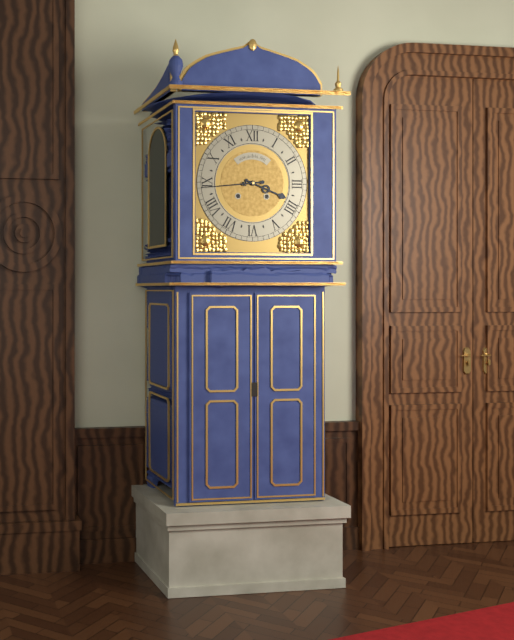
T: 3:44
